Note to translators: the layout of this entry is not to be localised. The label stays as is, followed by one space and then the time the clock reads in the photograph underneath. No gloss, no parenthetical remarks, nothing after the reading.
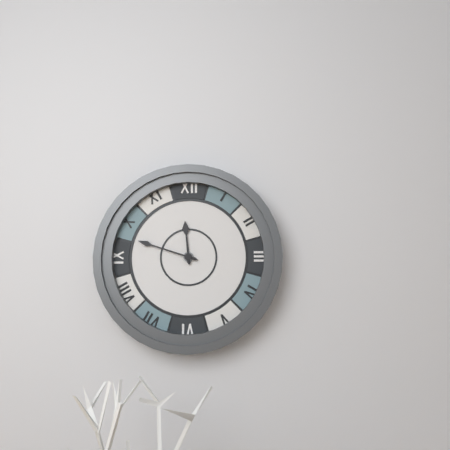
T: 11:48
